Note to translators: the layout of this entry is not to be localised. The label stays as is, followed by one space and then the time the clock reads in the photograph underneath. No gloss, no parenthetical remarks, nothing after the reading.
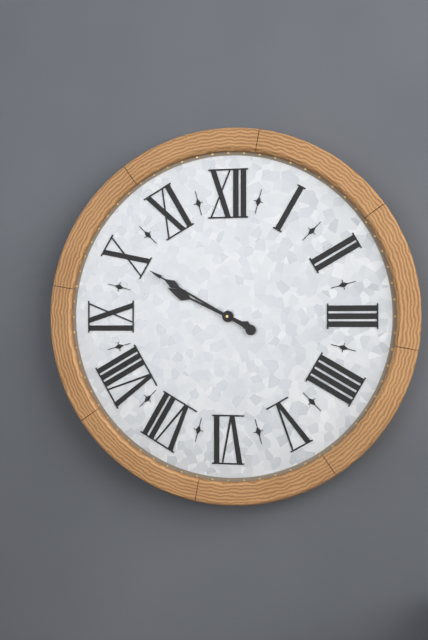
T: 9:50
